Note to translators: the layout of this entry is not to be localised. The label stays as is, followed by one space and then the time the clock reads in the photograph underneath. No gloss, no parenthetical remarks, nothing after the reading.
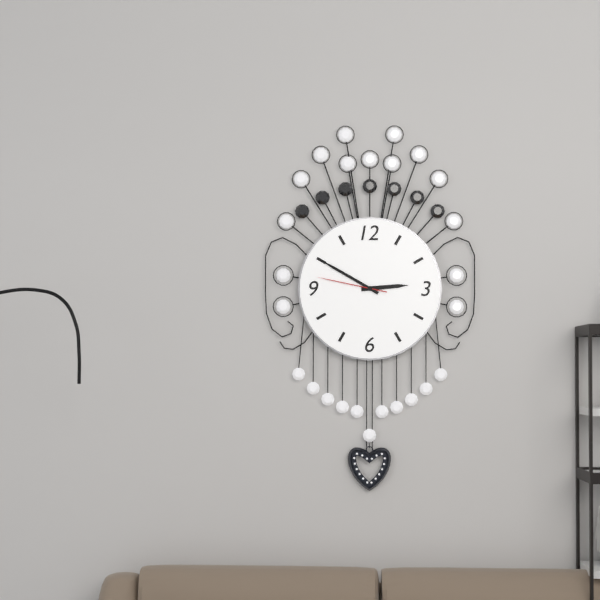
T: 2:50:47
